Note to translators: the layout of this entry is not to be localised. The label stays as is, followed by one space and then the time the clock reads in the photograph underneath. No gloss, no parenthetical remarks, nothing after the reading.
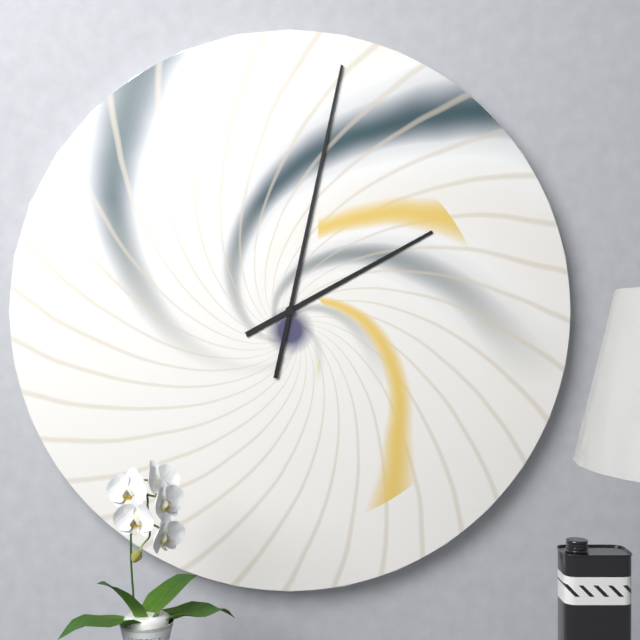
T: 2:02
